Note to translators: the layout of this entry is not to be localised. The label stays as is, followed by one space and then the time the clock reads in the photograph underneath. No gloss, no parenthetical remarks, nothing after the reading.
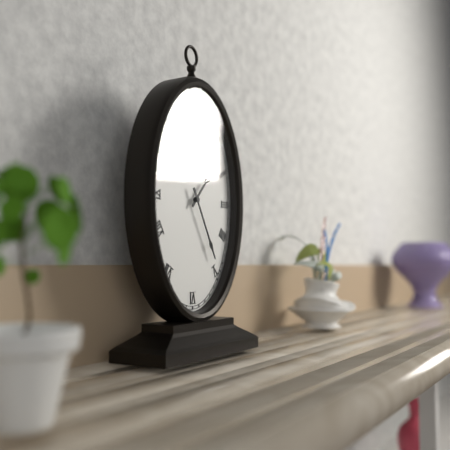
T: 1:25
